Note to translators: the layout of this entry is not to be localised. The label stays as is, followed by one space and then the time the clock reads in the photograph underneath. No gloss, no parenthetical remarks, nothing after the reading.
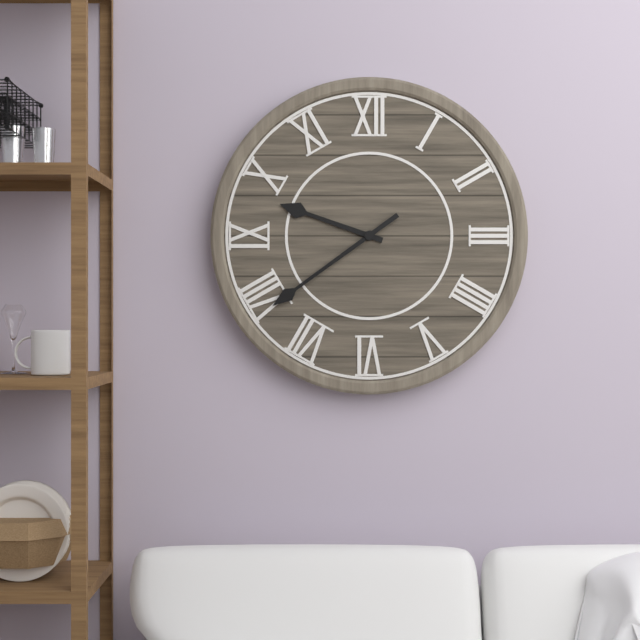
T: 9:39
